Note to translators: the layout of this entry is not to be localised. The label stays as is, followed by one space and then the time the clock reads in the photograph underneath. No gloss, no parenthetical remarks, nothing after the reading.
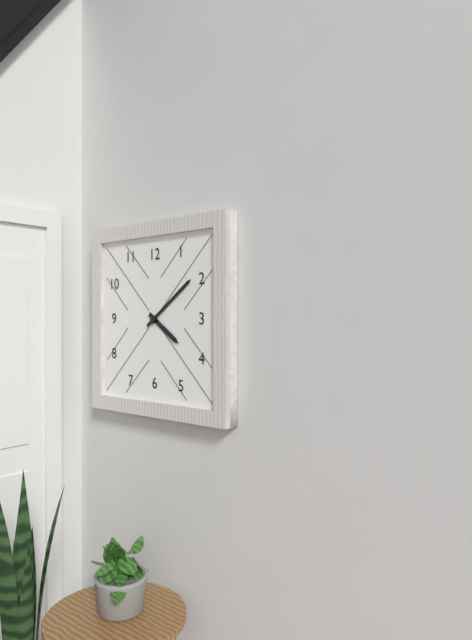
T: 4:09
